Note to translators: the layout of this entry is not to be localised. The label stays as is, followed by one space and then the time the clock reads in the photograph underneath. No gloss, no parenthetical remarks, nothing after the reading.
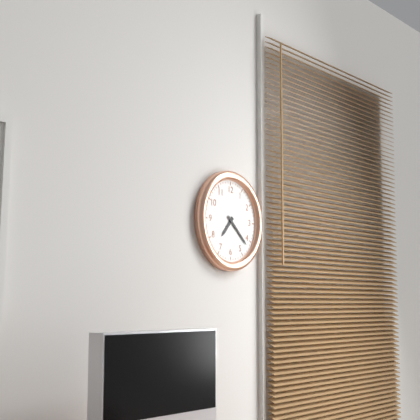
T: 7:22
